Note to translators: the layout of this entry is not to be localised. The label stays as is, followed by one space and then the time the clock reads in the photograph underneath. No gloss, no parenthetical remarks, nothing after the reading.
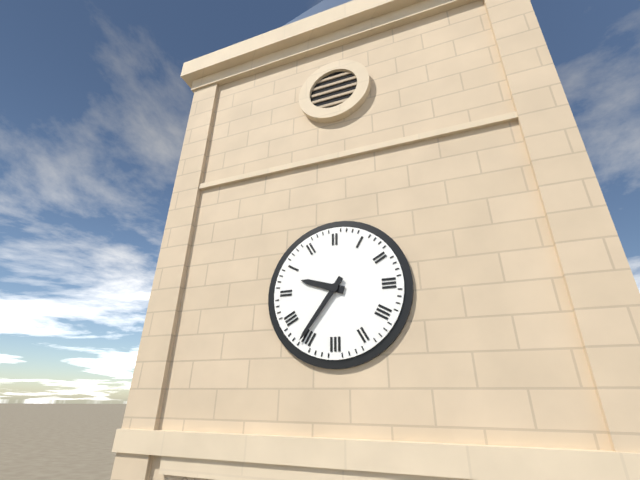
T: 9:36
